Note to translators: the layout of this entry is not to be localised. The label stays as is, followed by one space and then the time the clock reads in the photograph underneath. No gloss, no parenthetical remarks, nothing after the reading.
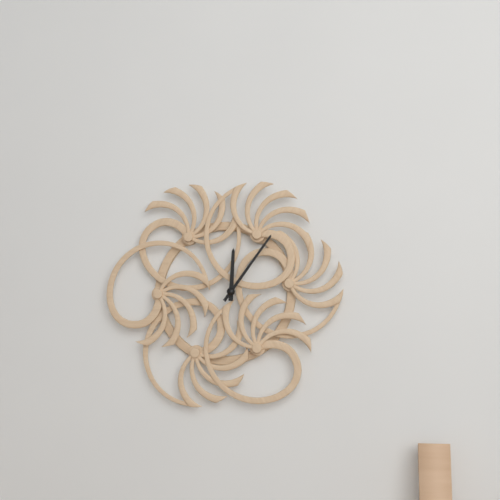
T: 12:06
